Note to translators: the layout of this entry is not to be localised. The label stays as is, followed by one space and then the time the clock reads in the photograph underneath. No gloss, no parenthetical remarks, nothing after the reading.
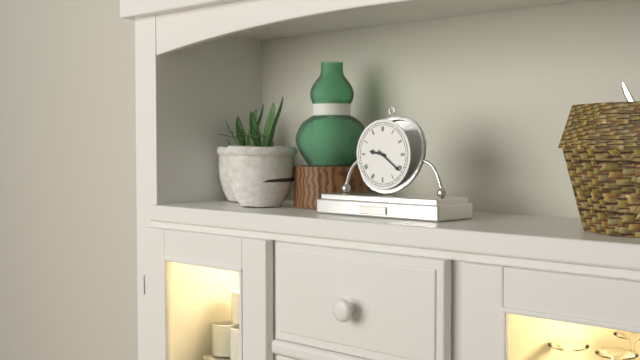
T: 9:21
